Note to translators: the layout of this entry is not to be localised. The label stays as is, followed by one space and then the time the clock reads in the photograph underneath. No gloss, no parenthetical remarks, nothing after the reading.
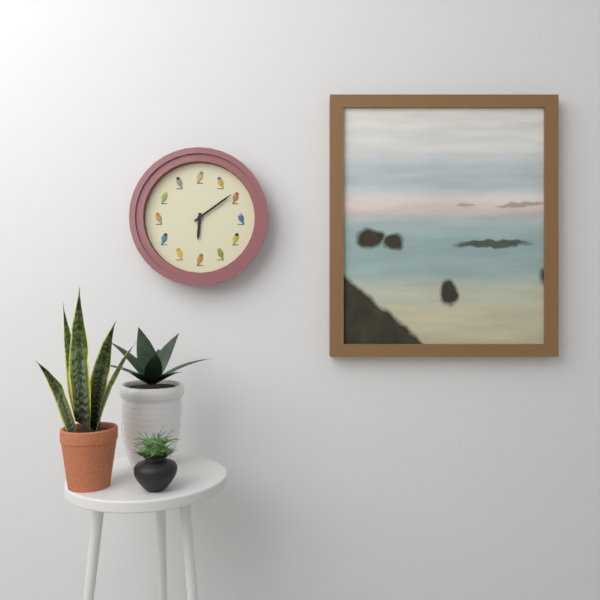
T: 6:09
